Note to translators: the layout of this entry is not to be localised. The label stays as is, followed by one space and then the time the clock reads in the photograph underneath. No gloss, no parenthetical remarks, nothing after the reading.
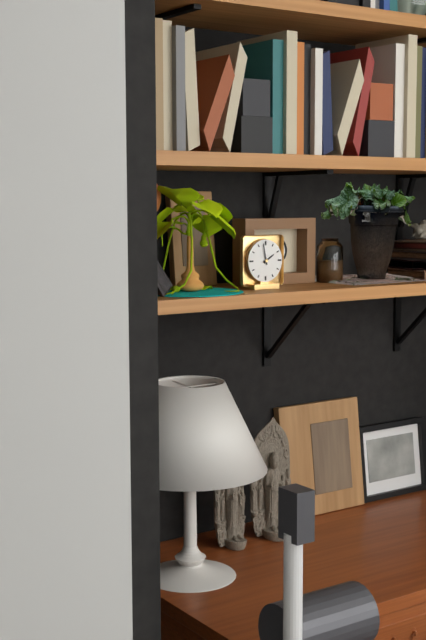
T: 1:58
